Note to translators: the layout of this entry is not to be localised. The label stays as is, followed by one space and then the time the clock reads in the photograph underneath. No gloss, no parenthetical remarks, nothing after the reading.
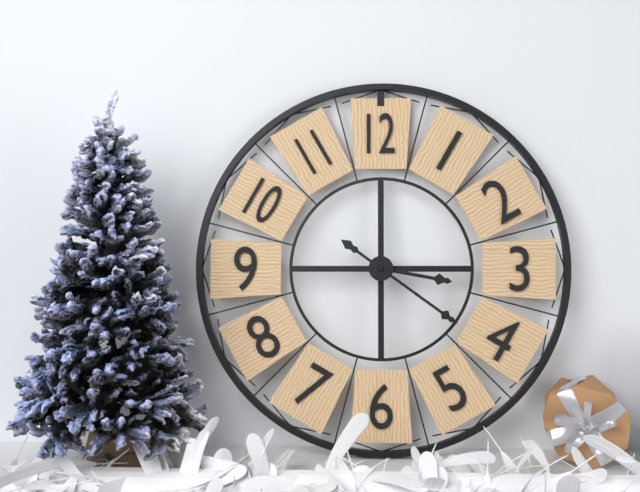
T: 3:21
